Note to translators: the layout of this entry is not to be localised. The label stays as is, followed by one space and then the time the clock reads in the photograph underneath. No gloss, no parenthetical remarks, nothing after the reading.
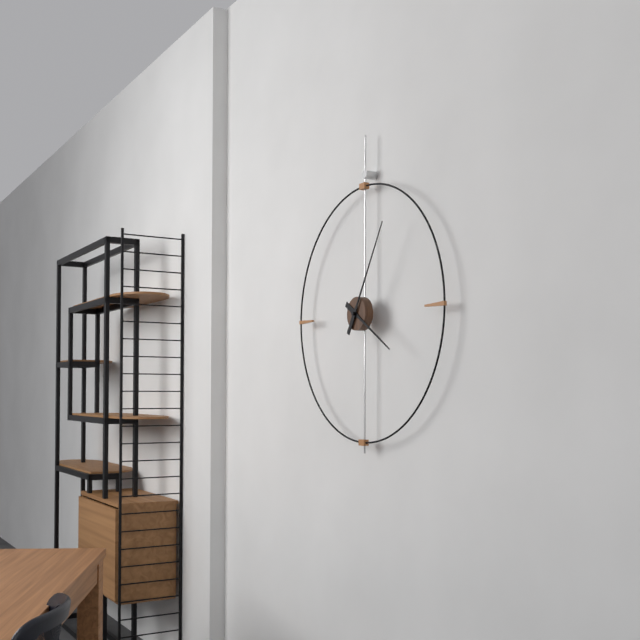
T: 4:05
